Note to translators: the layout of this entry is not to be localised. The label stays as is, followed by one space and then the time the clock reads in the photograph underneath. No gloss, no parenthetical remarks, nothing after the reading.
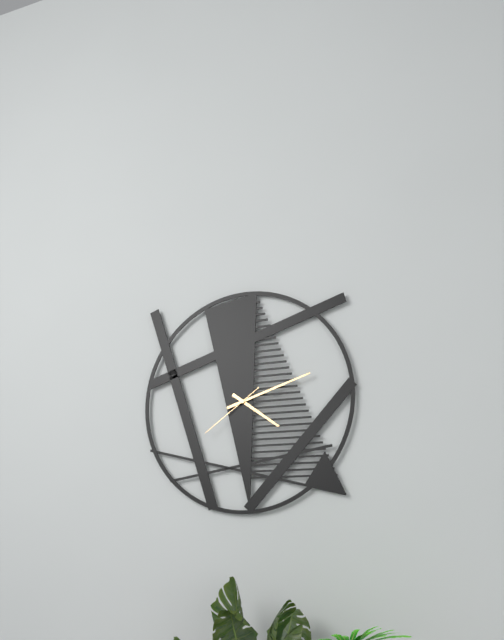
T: 4:12:39
